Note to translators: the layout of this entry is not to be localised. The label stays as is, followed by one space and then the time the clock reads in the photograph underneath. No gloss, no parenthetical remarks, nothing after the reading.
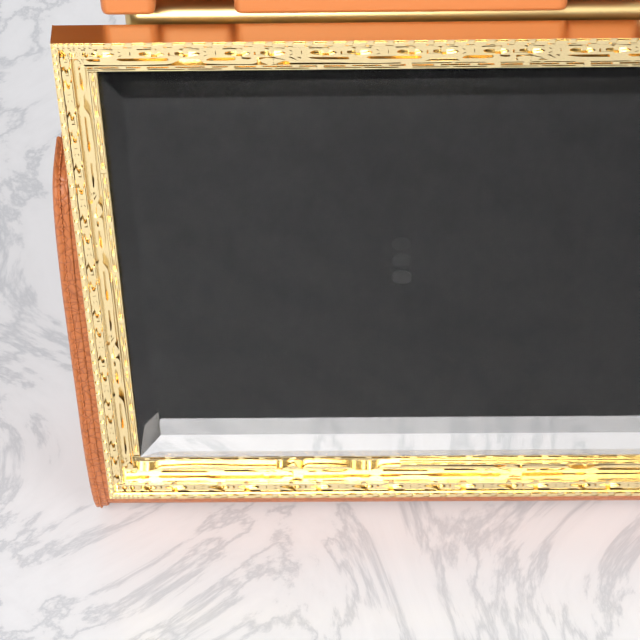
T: 11:51
